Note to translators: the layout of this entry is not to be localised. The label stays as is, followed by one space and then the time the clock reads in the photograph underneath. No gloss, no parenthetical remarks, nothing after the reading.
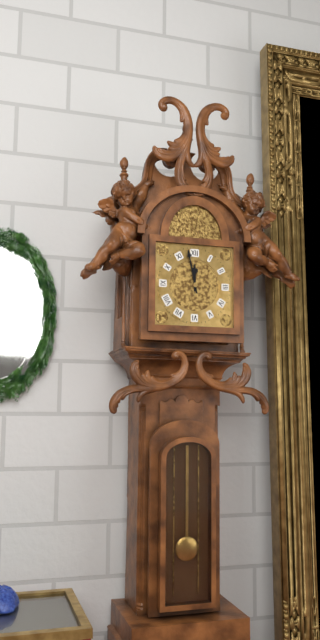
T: 11:58
